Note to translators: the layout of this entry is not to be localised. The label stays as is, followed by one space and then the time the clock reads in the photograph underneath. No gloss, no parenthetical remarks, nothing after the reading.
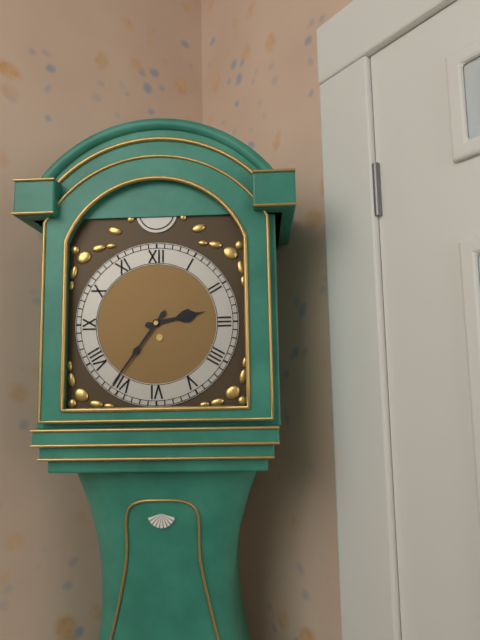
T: 2:36
